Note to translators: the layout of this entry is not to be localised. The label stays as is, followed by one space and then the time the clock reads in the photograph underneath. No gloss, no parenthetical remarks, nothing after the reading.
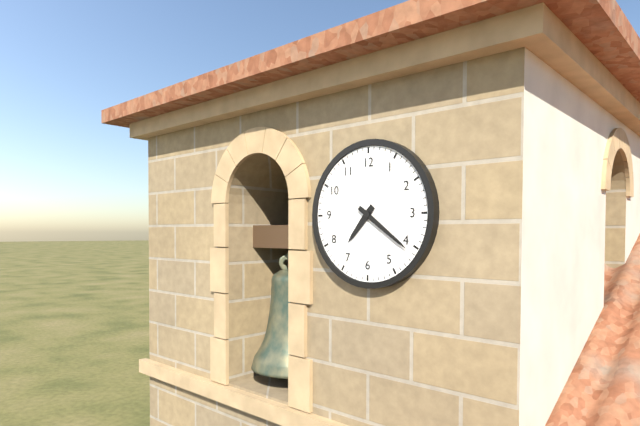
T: 7:21
